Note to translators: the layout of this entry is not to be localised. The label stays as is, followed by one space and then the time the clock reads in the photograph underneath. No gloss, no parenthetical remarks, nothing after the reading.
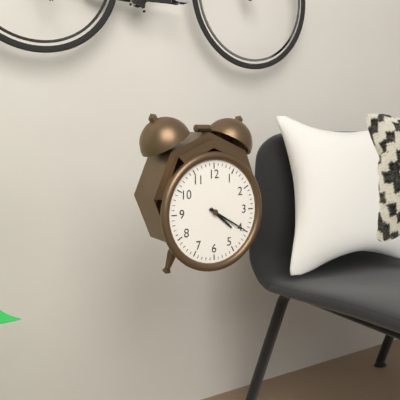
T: 4:20
